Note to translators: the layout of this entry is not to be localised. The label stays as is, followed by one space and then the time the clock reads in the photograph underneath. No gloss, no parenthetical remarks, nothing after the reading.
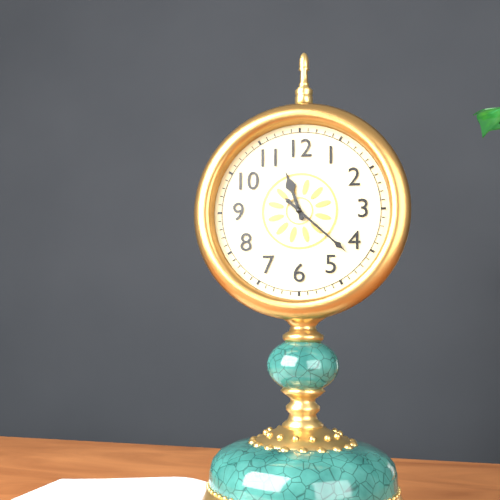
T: 11:22
